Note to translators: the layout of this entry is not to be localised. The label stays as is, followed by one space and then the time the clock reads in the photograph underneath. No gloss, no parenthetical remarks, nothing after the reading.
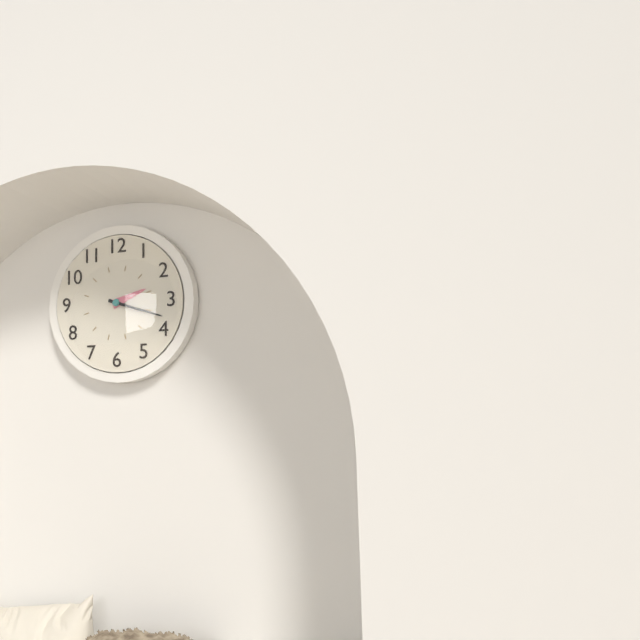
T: 2:18
